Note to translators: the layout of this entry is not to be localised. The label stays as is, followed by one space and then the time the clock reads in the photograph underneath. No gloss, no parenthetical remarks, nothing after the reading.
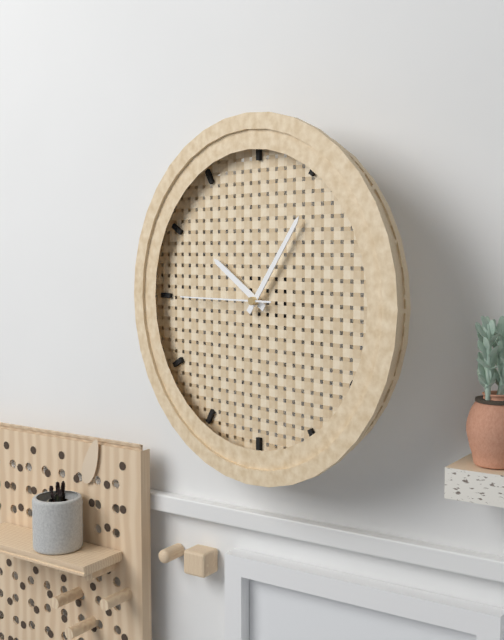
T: 10:06:45
